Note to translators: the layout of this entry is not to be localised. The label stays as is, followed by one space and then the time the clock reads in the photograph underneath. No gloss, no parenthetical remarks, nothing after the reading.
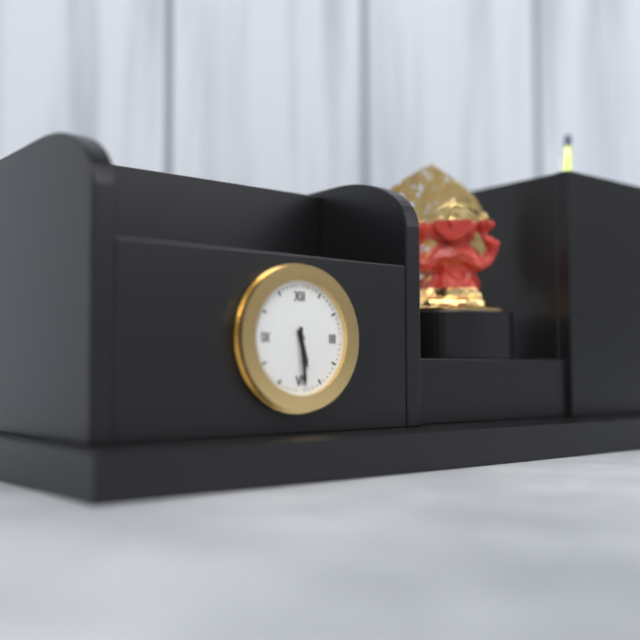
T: 5:29
